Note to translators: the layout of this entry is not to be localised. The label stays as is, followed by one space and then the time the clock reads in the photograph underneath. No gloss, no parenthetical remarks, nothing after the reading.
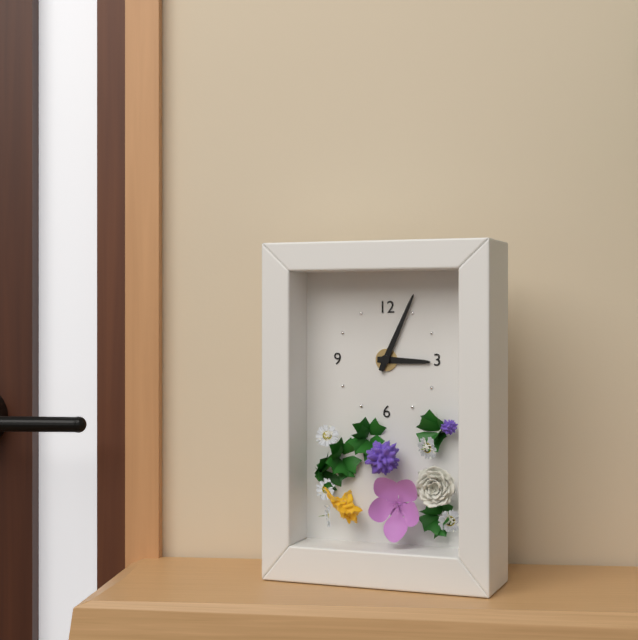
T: 3:04
